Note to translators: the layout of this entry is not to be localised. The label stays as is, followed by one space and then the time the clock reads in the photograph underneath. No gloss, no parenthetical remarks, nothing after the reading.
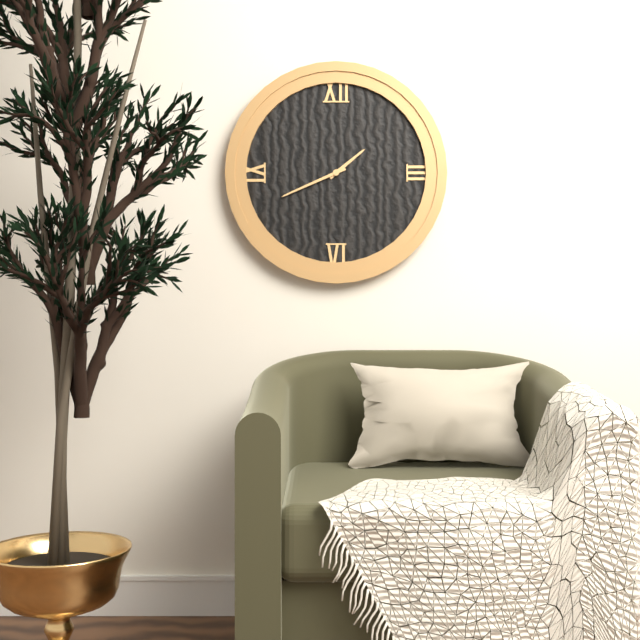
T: 1:41
